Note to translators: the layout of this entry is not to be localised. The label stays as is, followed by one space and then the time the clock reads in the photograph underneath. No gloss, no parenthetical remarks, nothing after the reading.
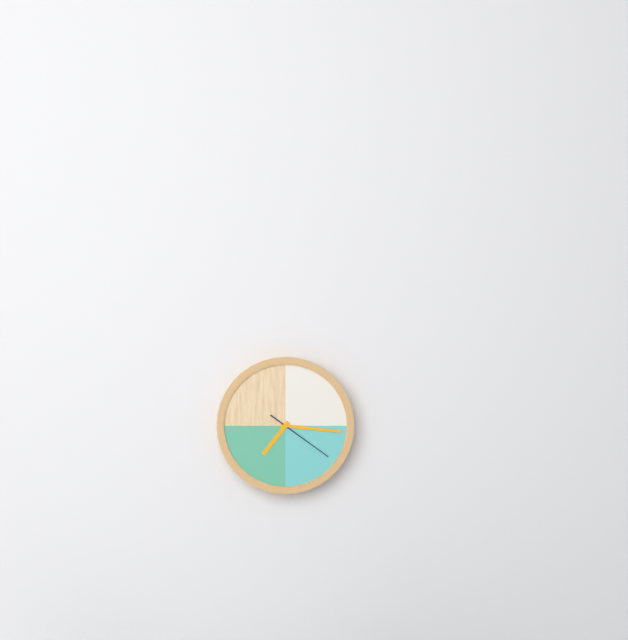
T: 7:16:21
